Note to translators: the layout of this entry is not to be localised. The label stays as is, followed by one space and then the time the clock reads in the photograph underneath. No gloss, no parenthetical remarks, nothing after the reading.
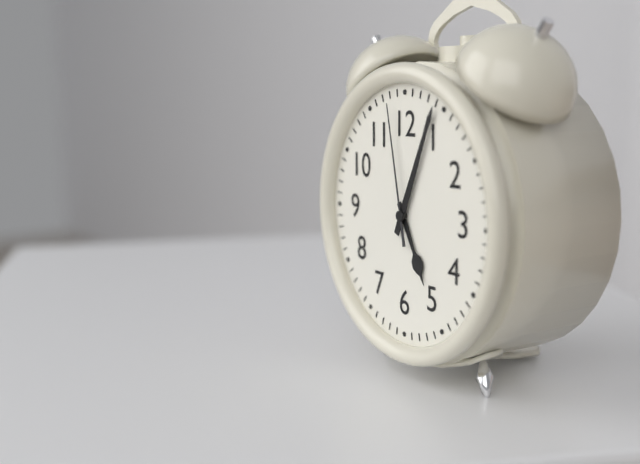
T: 5:04:58
